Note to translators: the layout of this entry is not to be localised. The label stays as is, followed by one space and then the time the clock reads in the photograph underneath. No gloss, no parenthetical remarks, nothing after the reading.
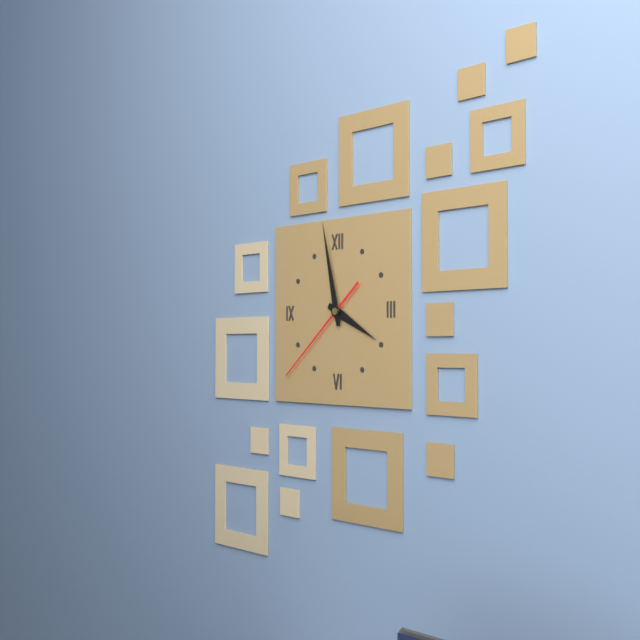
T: 3:58:38
